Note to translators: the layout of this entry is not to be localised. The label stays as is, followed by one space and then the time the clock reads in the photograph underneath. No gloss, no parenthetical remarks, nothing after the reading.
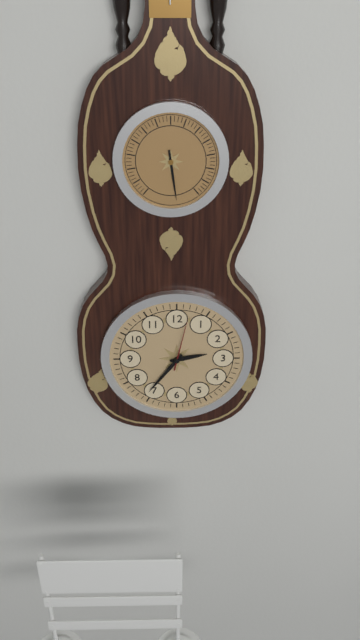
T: 2:36:02
